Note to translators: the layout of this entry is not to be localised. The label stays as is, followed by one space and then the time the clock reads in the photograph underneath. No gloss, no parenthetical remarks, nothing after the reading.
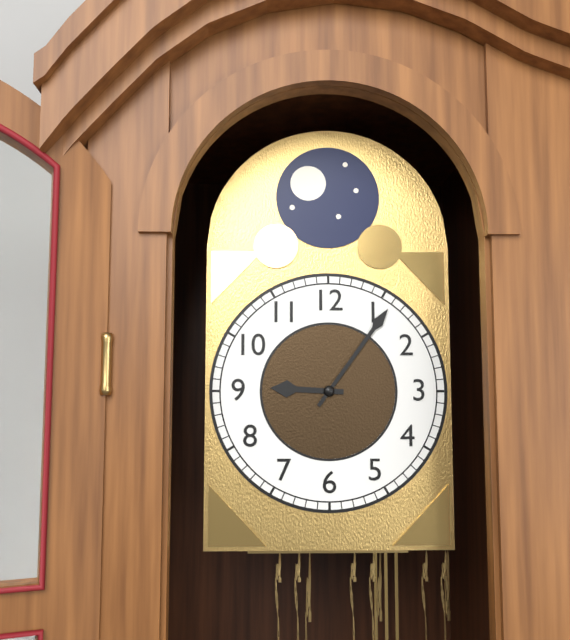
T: 9:06
